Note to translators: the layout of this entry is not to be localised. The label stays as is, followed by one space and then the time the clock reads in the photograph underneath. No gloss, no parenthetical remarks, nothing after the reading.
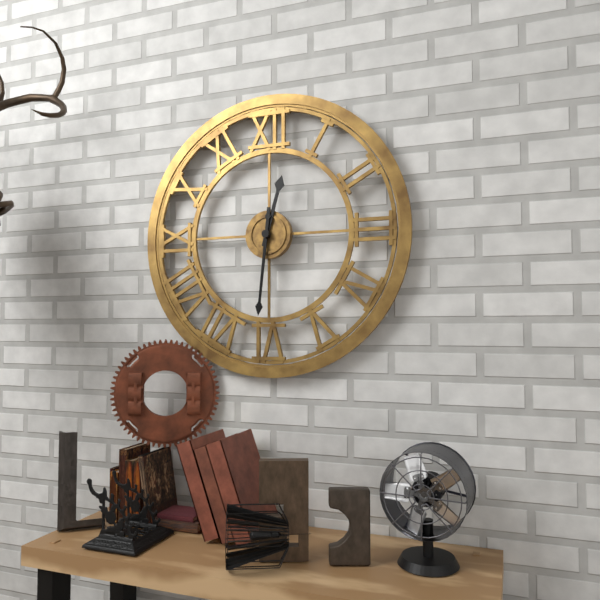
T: 12:31
